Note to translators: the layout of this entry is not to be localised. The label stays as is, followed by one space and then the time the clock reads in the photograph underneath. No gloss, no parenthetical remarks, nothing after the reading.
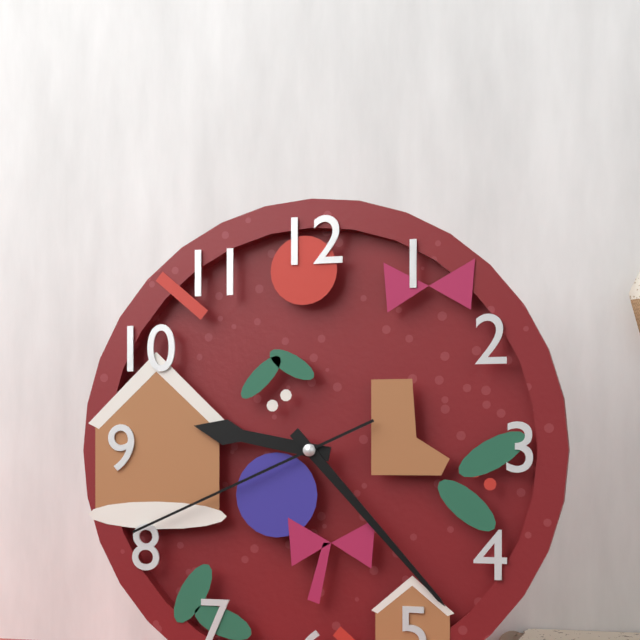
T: 9:23:41
